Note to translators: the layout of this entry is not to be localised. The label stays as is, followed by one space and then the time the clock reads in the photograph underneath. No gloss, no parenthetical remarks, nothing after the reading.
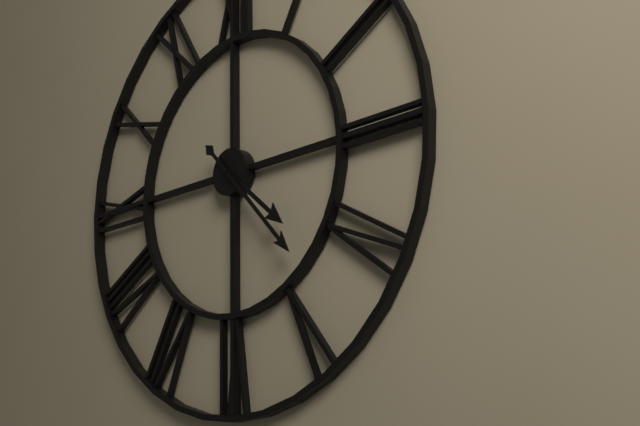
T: 4:23
